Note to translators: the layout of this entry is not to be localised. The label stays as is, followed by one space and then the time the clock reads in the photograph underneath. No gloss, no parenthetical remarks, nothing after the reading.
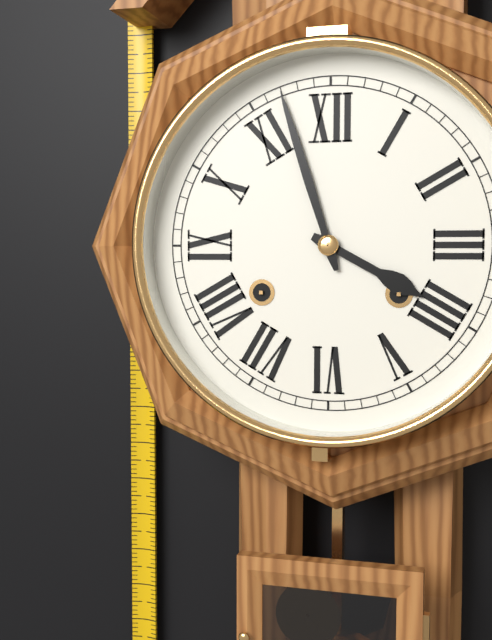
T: 3:57
